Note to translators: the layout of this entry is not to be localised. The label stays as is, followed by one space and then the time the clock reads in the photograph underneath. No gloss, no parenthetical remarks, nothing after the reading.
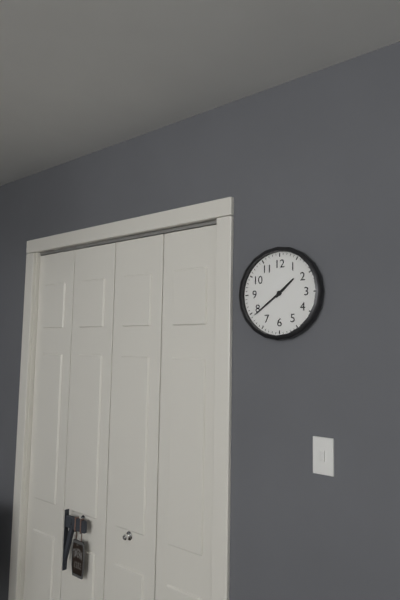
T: 1:39
